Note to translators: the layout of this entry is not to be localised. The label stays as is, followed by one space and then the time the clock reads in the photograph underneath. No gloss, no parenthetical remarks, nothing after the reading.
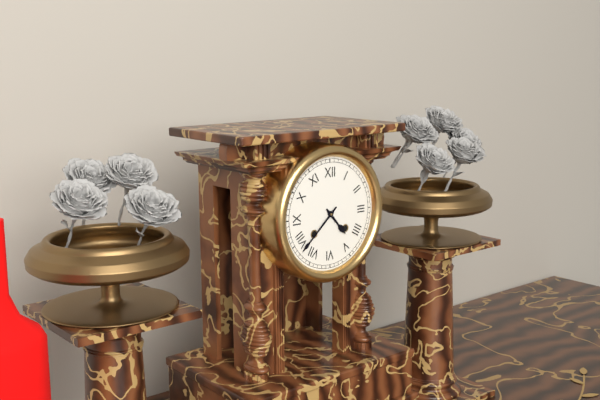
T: 4:38
